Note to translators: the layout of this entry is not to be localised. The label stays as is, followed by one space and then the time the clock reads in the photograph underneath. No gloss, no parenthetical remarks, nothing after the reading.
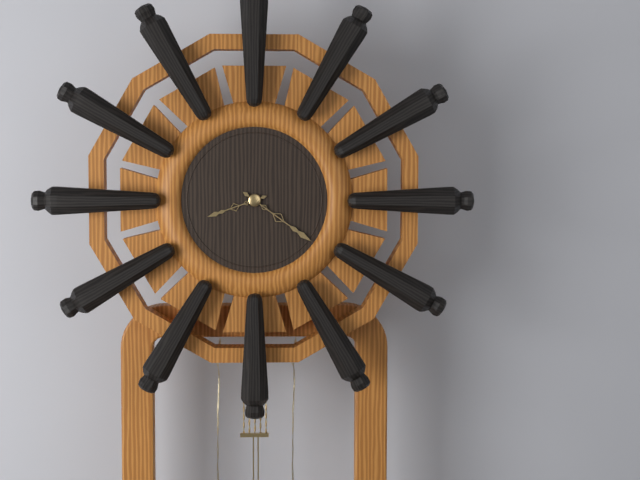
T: 8:21
